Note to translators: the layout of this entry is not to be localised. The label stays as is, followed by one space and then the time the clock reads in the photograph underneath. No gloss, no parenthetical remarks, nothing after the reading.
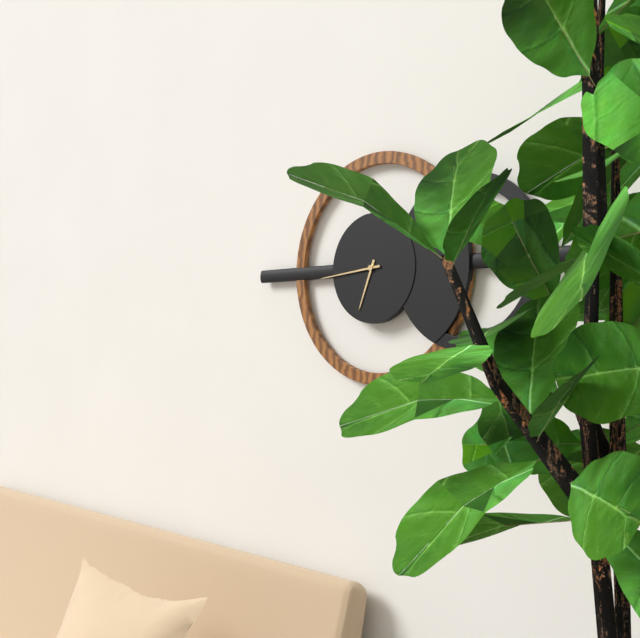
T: 6:44
